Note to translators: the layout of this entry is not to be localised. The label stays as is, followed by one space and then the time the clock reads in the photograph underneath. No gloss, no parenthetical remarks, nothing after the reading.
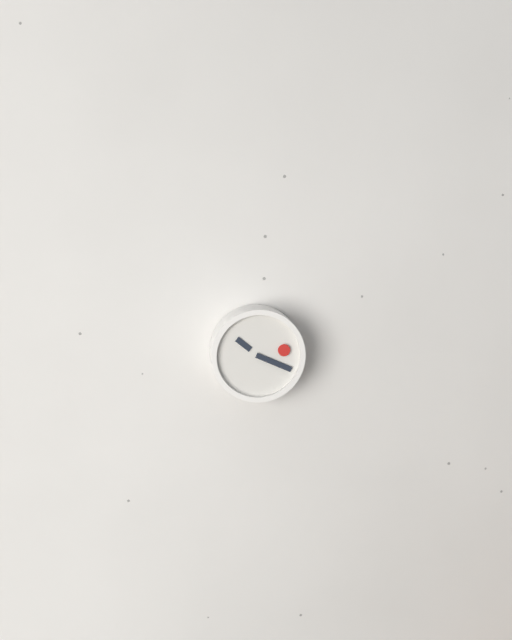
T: 10:19
